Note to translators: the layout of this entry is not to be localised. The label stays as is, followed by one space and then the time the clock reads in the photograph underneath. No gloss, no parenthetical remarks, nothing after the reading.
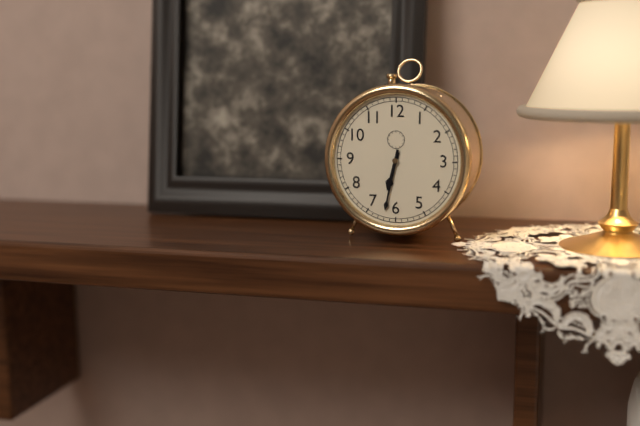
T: 6:32
